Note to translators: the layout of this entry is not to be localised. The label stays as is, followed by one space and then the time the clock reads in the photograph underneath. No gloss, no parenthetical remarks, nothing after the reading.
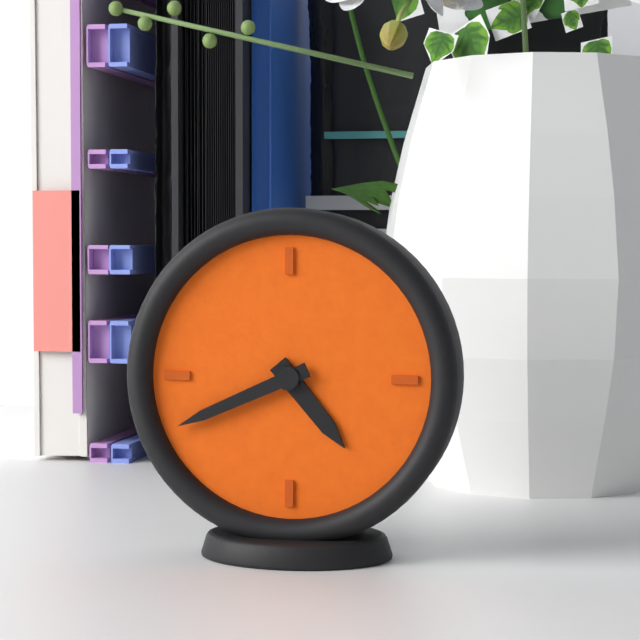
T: 4:41
